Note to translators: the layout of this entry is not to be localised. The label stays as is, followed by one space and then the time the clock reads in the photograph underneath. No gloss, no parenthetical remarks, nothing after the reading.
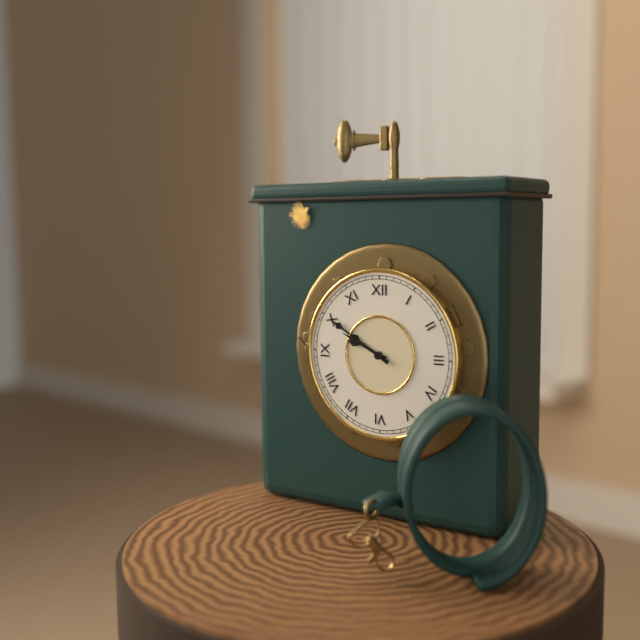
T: 9:50
